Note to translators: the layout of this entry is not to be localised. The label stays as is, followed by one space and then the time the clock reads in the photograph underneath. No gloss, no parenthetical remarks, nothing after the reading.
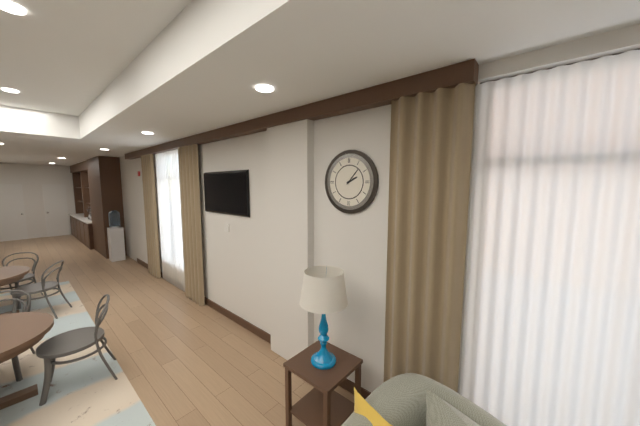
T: 2:07
